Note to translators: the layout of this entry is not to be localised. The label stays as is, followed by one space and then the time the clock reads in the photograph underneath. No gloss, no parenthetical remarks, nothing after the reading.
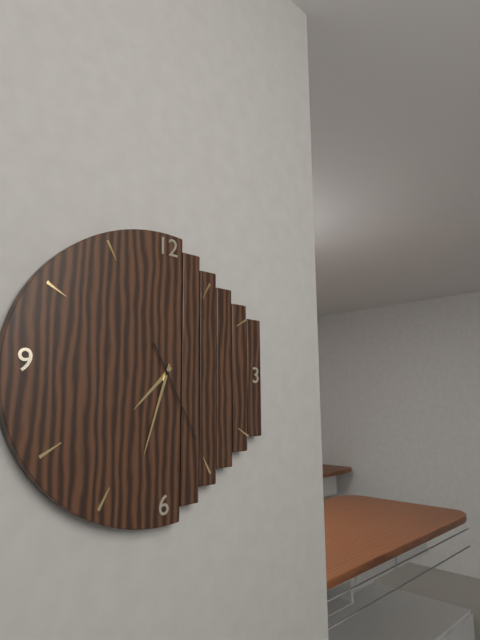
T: 7:33:25
